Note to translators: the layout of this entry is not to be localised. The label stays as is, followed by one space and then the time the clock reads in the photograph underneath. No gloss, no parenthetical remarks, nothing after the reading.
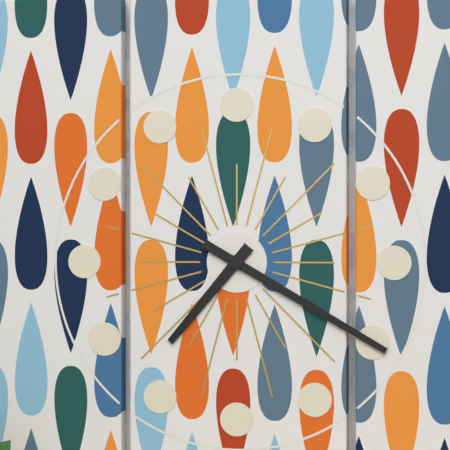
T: 7:20
